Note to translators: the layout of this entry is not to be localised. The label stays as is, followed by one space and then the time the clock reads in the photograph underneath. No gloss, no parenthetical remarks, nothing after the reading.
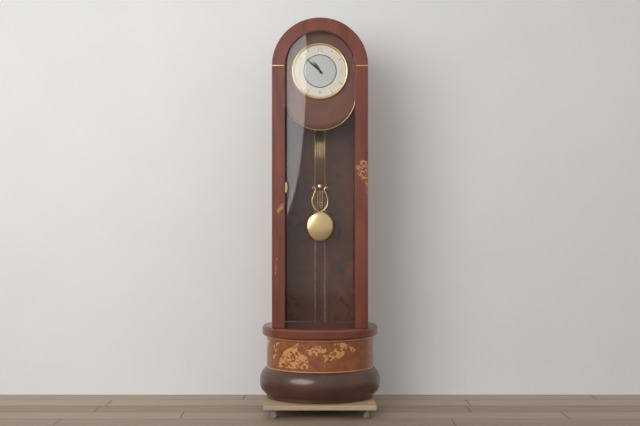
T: 10:52
